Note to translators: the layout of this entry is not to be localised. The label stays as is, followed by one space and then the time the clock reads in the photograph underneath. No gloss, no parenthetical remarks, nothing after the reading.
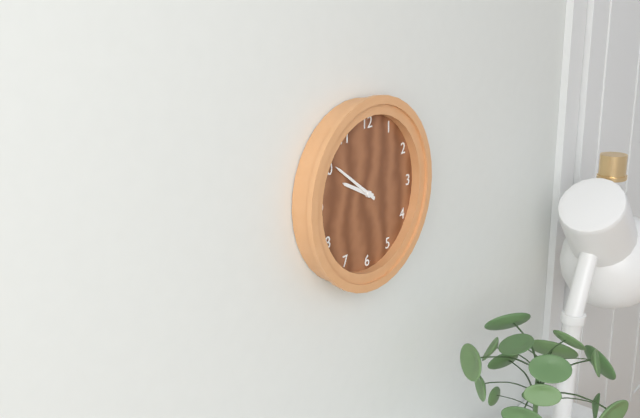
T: 9:51
